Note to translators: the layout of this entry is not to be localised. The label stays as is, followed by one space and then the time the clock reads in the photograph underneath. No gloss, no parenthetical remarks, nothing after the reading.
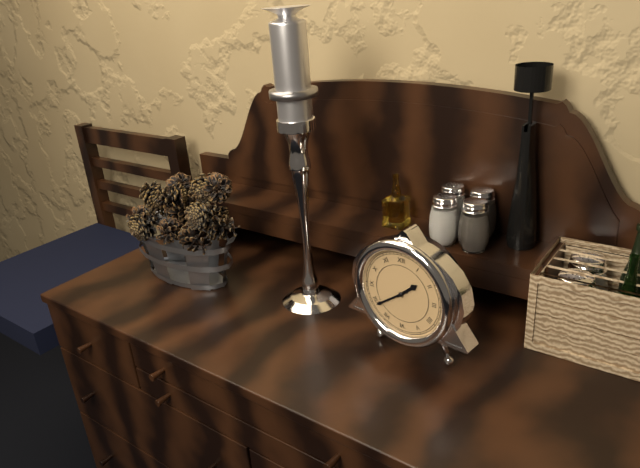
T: 1:39
